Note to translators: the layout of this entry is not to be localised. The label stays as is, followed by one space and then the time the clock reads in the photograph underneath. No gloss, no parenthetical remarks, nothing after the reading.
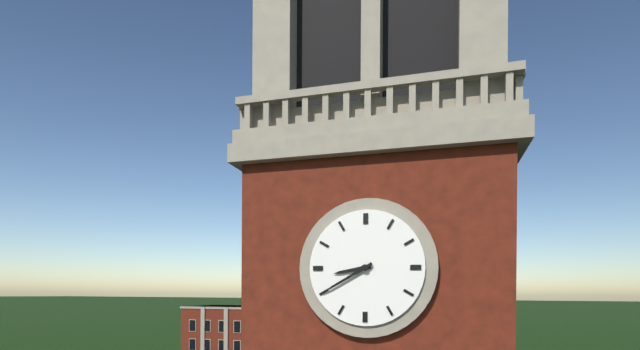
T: 8:40
